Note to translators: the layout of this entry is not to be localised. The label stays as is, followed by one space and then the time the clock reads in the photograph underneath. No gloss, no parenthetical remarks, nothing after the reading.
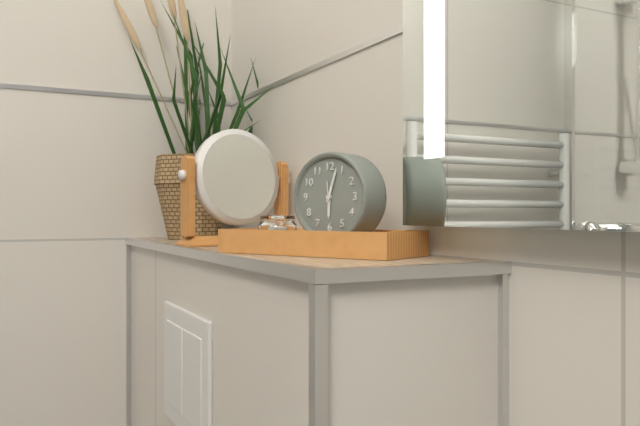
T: 6:03
